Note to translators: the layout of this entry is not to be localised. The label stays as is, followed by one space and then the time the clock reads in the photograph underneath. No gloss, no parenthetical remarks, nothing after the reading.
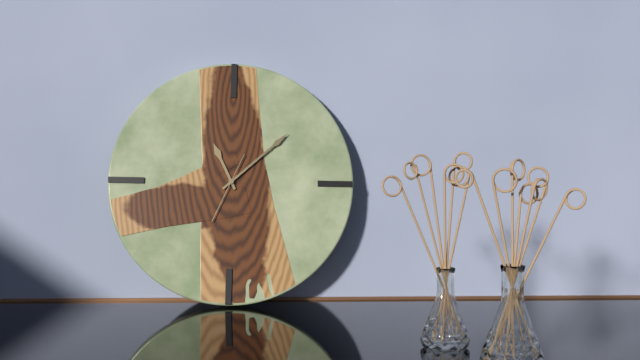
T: 11:08:34
